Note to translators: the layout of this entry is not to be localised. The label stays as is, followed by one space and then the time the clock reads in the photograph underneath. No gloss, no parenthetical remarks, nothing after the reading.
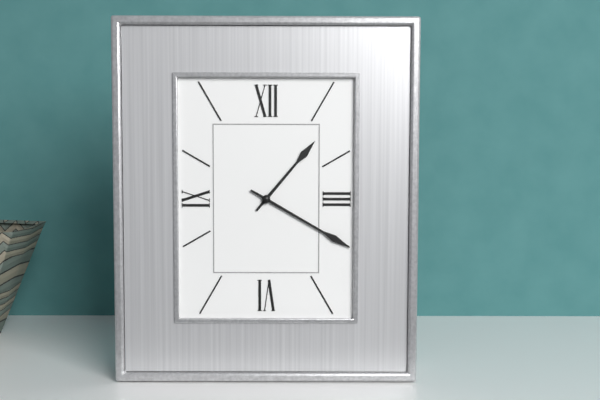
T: 1:20
